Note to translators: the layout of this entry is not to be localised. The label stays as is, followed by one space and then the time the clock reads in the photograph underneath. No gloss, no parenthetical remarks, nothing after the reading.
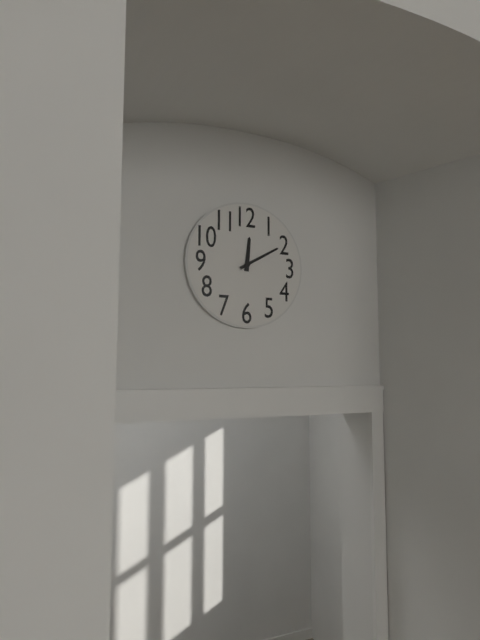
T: 12:10
